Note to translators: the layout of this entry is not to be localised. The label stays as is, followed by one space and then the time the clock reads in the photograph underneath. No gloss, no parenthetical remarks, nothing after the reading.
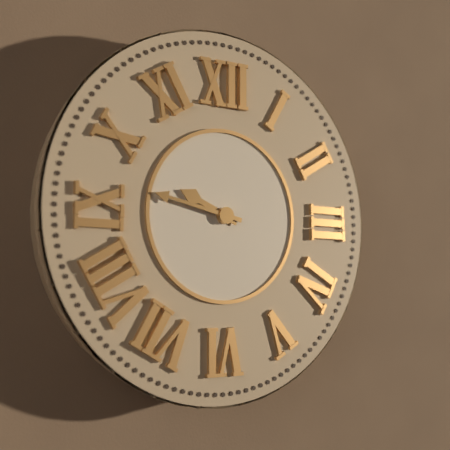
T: 9:47
